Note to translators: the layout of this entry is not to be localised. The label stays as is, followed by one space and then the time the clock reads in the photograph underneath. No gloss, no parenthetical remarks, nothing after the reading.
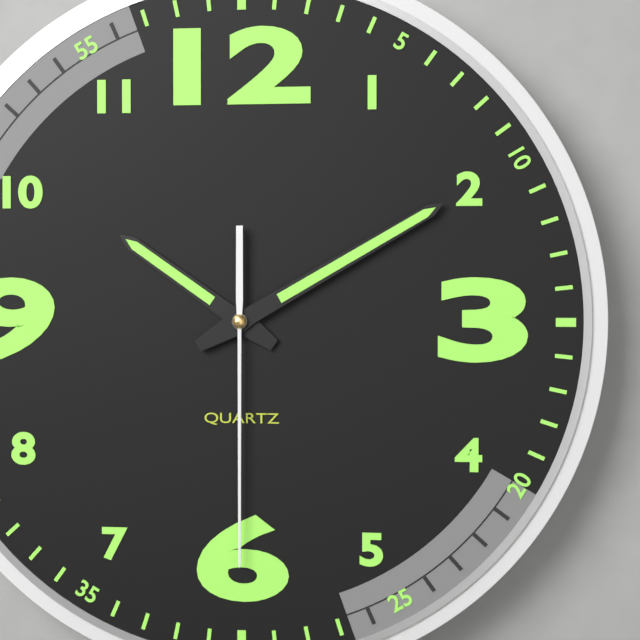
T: 10:10:30
